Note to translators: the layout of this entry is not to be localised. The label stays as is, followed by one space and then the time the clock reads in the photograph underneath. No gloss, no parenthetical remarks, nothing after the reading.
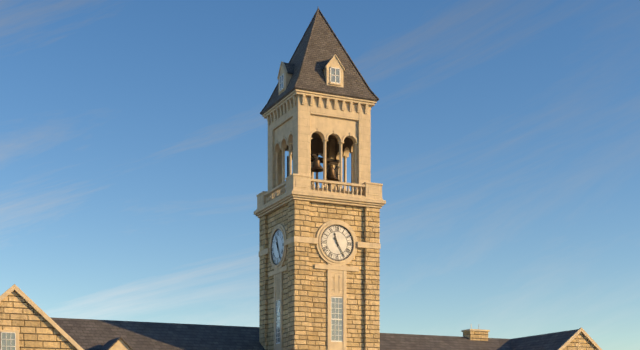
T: 11:25
